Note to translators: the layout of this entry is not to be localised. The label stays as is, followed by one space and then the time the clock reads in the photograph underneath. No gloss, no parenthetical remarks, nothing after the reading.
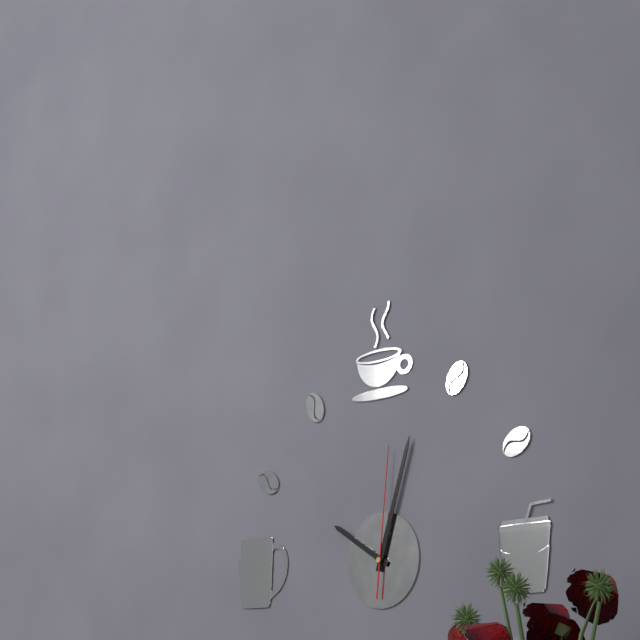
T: 10:03:01
